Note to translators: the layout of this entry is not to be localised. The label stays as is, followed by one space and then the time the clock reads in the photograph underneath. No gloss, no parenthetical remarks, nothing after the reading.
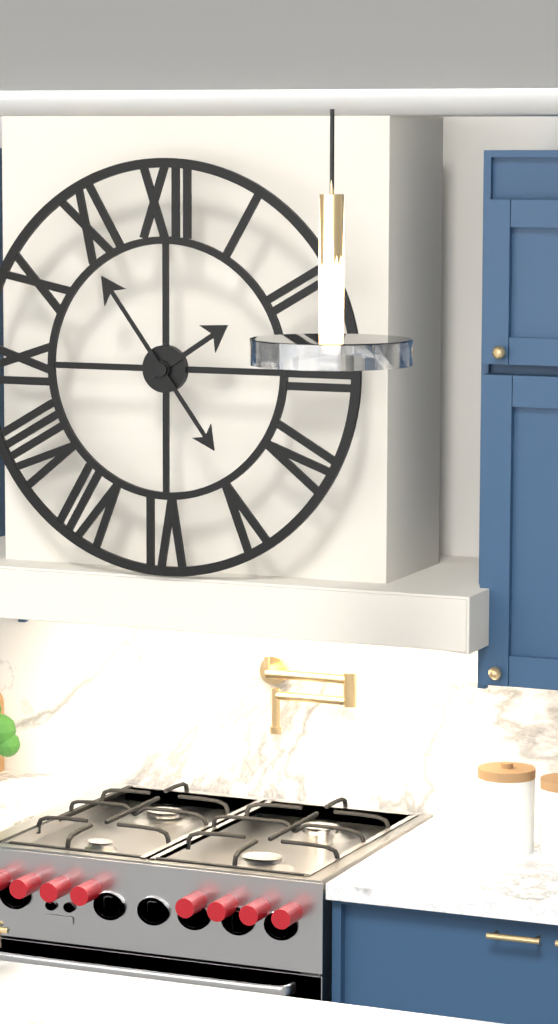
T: 1:54
